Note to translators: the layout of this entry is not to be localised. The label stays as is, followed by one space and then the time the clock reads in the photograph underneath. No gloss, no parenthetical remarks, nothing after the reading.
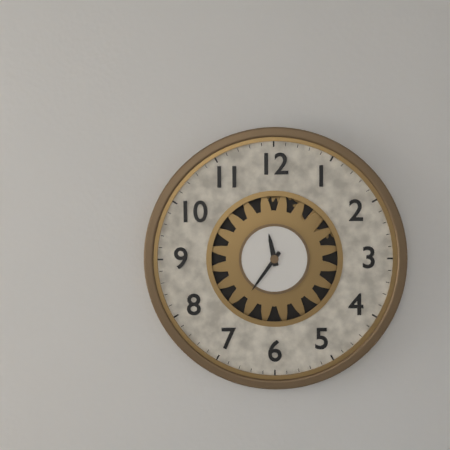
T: 11:36
